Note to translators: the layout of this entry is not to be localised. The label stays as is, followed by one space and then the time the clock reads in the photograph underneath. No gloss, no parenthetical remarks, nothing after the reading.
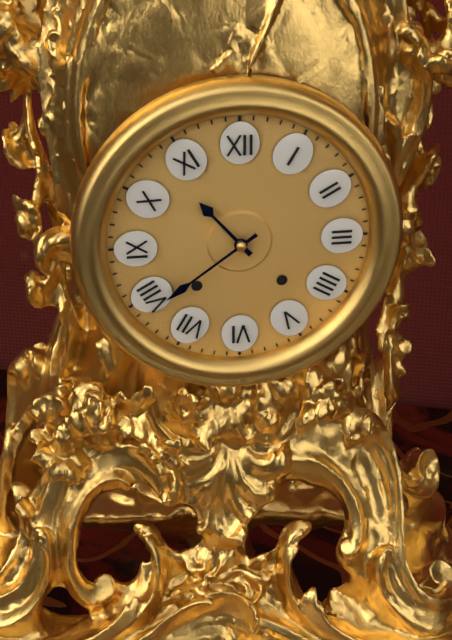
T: 10:39
